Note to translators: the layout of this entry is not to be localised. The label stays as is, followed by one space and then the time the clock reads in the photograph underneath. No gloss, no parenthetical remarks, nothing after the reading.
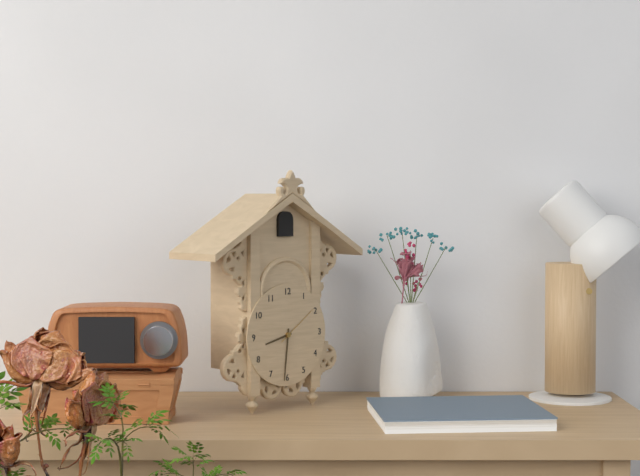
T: 8:31
